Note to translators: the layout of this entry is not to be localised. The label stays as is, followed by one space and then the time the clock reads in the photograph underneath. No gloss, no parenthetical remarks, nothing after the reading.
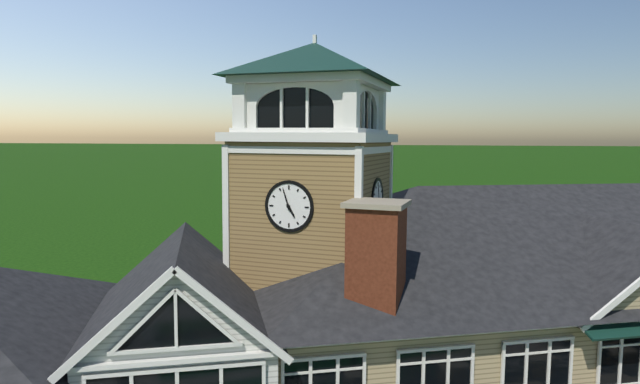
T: 4:57
